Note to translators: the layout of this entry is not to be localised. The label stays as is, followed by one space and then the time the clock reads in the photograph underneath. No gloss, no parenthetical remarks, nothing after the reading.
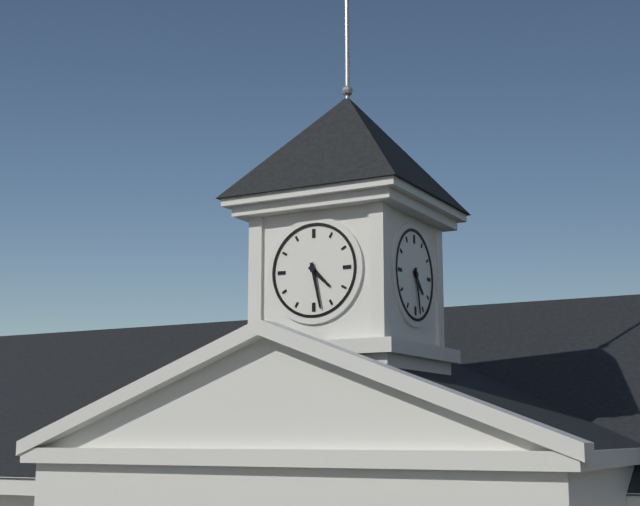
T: 4:28
